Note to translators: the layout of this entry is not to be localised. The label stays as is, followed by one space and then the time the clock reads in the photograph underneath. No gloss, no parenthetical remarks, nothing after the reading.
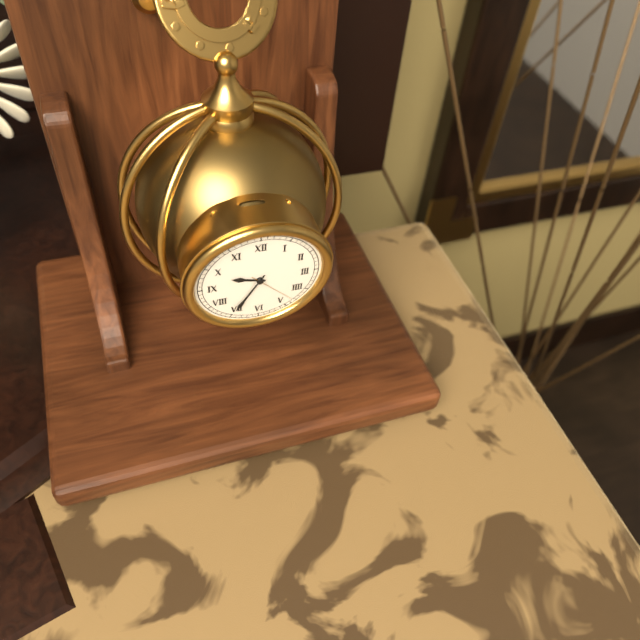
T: 9:35
